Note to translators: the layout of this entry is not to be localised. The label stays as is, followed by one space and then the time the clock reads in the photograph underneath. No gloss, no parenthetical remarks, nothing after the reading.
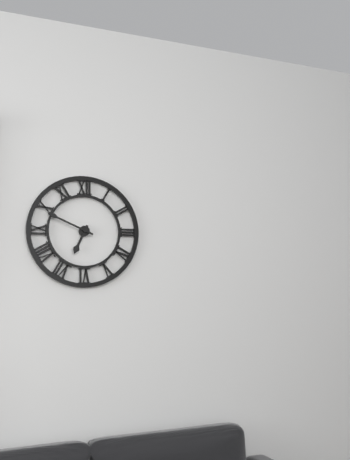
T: 6:49
